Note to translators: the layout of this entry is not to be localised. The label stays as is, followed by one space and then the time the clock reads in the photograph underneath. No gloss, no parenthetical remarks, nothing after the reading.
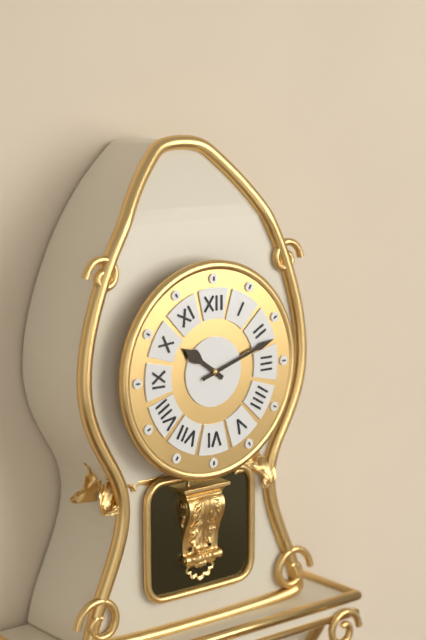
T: 10:12
